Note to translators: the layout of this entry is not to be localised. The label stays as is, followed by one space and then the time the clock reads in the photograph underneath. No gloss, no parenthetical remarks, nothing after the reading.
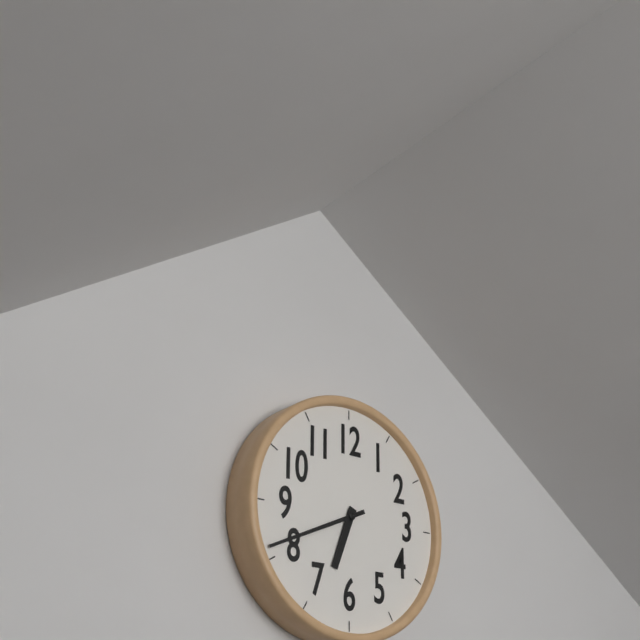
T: 6:41
